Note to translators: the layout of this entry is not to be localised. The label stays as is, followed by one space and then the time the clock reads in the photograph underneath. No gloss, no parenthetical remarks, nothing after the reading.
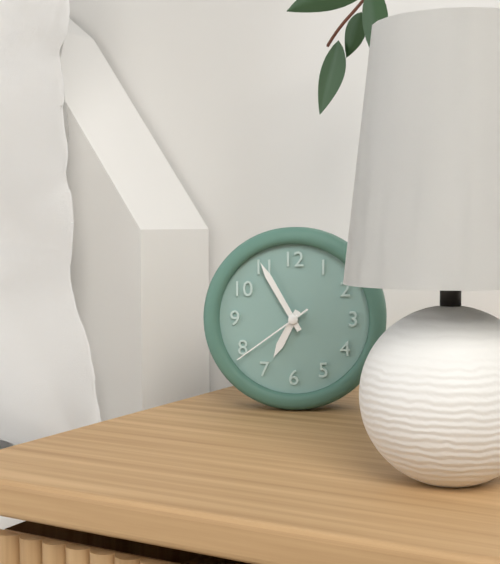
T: 6:55:39
